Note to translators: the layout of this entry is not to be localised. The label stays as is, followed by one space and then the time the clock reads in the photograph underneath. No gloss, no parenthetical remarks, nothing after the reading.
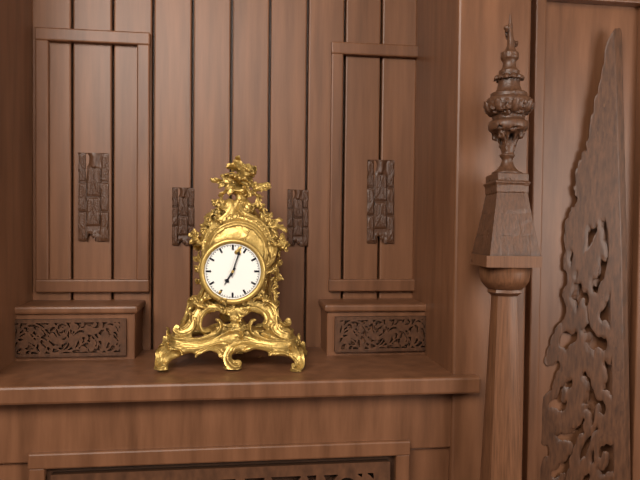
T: 7:03
